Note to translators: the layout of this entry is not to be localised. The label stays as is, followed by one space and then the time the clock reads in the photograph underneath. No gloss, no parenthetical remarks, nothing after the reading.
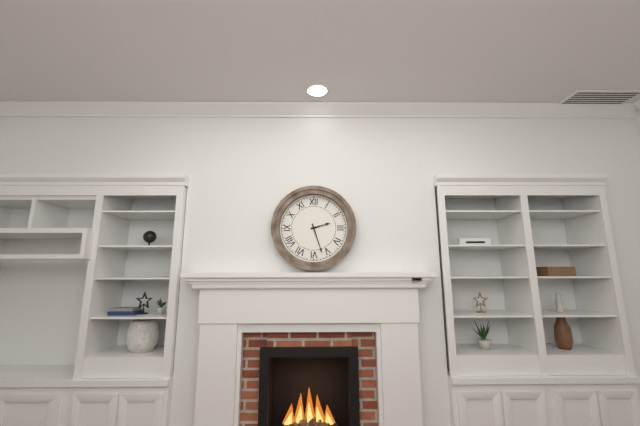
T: 2:27
